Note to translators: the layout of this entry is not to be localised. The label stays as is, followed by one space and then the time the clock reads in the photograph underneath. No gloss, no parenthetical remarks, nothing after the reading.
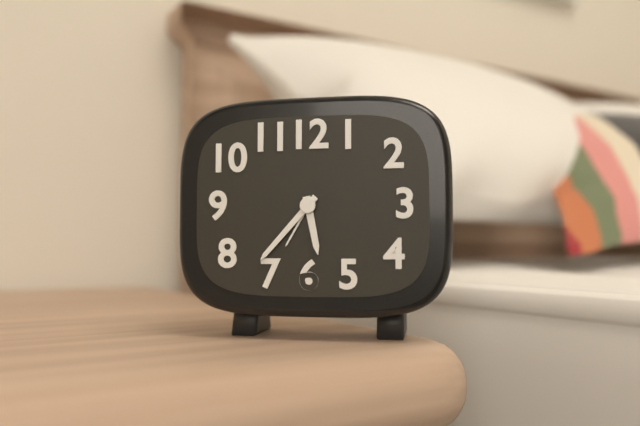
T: 5:37
